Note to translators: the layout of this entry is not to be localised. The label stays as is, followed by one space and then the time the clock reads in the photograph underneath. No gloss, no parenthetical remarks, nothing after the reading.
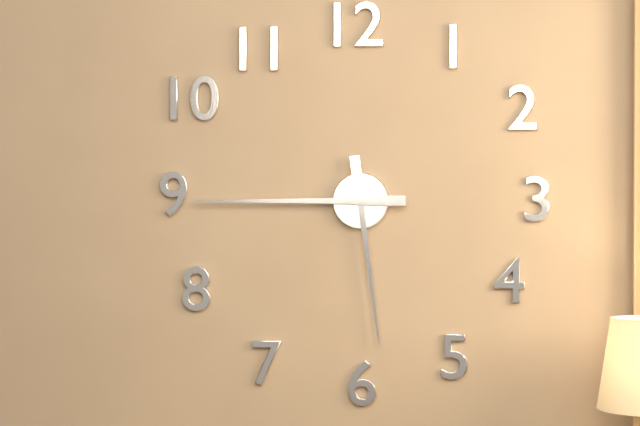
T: 5:45
